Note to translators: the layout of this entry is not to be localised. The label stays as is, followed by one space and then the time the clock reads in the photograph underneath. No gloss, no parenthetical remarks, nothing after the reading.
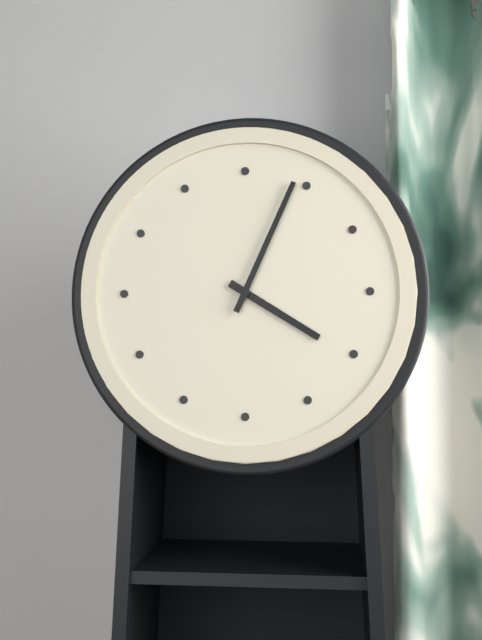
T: 4:04
